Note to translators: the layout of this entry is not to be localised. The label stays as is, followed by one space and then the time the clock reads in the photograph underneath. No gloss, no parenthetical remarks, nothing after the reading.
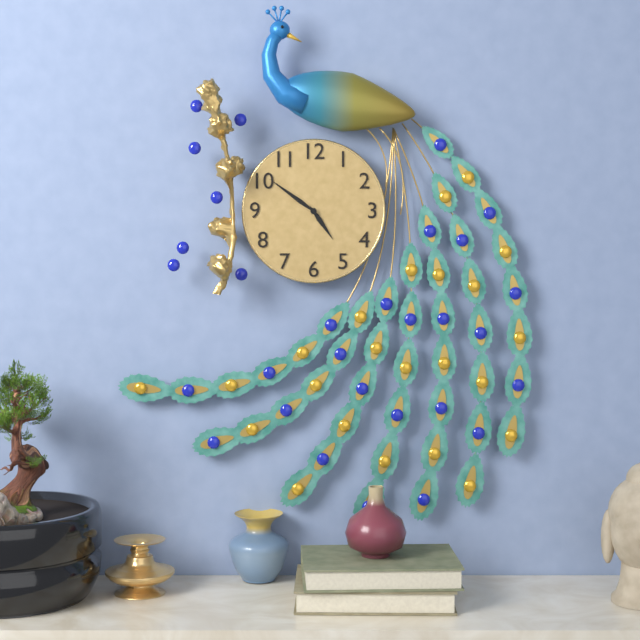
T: 4:51
